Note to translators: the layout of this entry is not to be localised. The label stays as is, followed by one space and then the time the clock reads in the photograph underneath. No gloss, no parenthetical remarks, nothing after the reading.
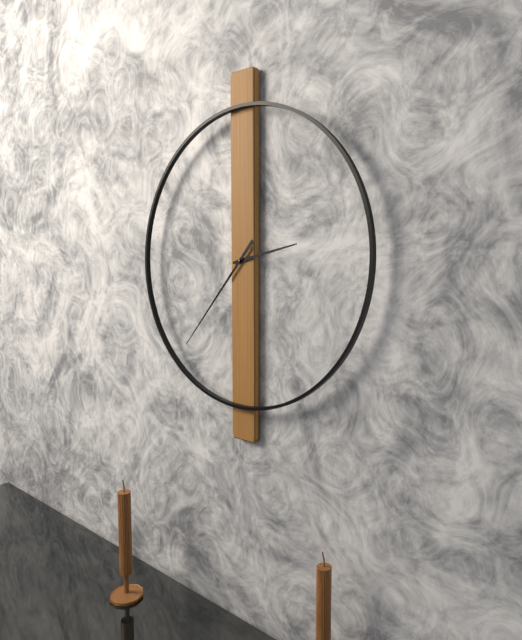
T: 2:37
